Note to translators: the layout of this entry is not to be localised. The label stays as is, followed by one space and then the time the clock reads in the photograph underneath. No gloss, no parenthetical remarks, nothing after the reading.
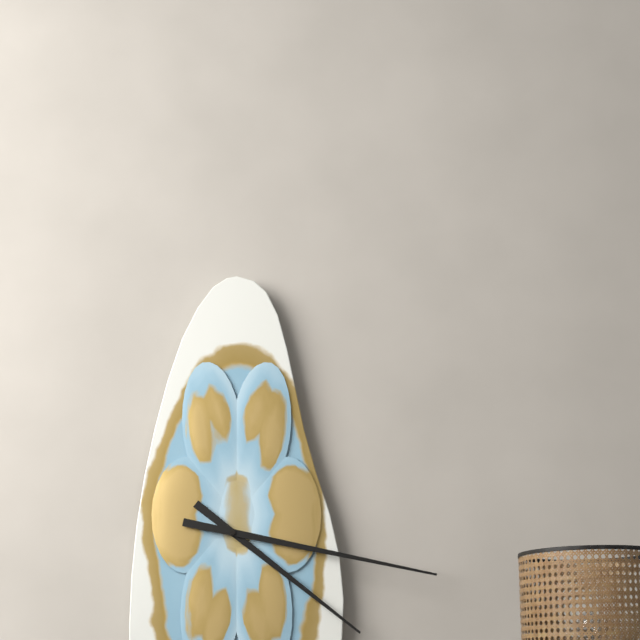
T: 4:17
